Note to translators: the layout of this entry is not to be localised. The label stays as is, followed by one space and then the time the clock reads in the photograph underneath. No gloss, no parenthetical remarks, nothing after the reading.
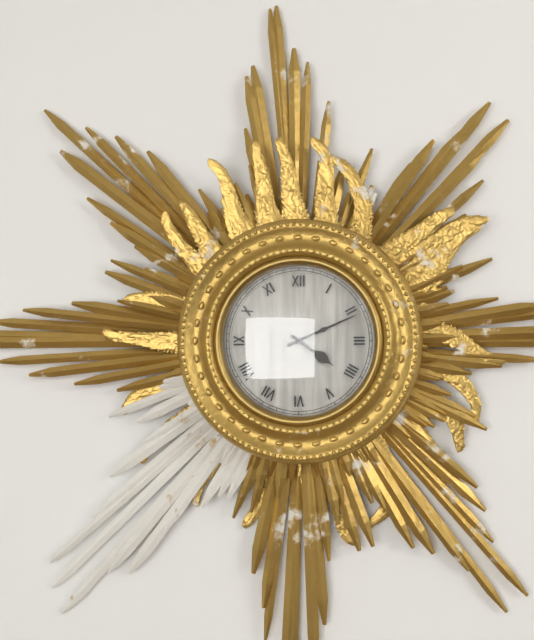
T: 4:11
